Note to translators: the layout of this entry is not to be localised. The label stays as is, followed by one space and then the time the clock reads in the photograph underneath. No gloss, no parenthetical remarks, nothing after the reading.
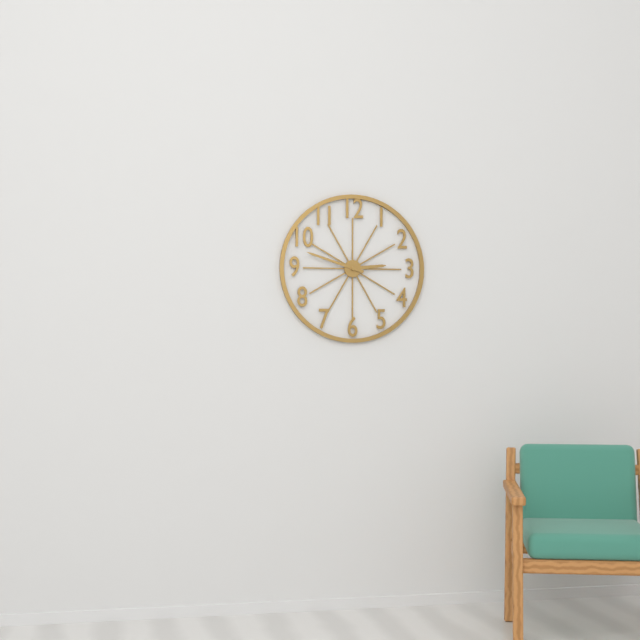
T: 2:48
